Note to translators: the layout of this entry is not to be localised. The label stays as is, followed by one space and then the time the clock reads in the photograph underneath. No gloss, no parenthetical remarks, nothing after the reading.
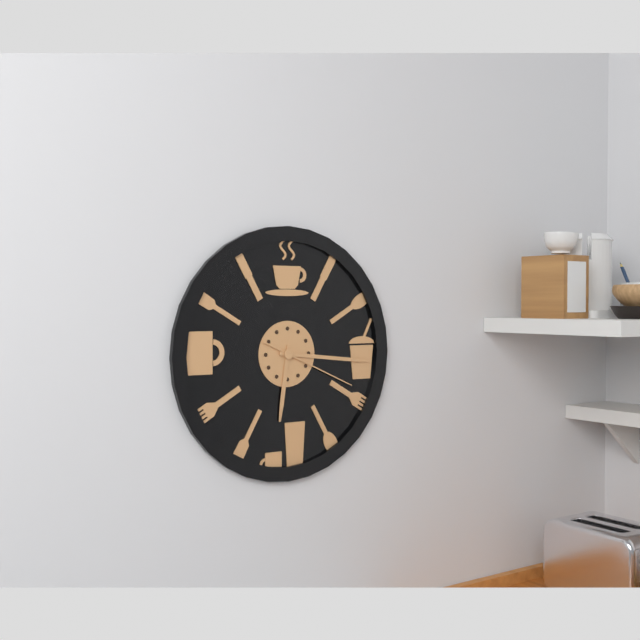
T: 6:16:19
